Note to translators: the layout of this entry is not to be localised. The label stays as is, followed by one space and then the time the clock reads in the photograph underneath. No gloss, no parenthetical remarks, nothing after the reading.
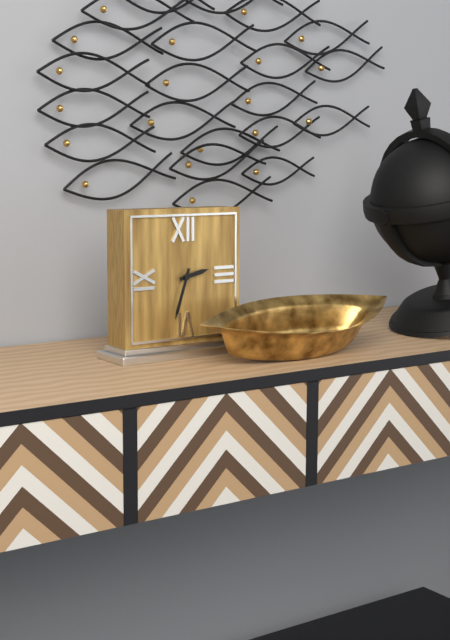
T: 2:33
